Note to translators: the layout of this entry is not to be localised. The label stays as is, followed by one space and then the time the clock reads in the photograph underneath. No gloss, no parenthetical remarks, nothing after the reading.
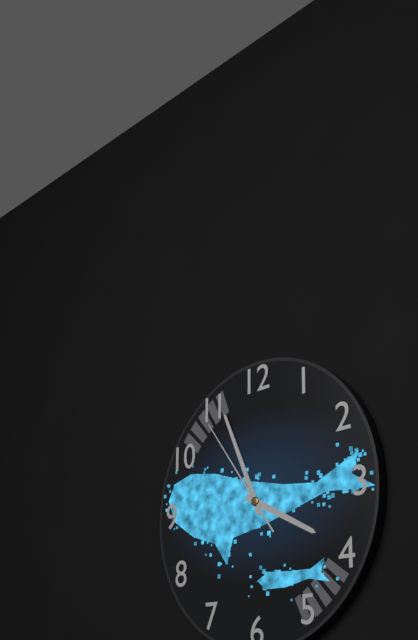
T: 3:56:54
